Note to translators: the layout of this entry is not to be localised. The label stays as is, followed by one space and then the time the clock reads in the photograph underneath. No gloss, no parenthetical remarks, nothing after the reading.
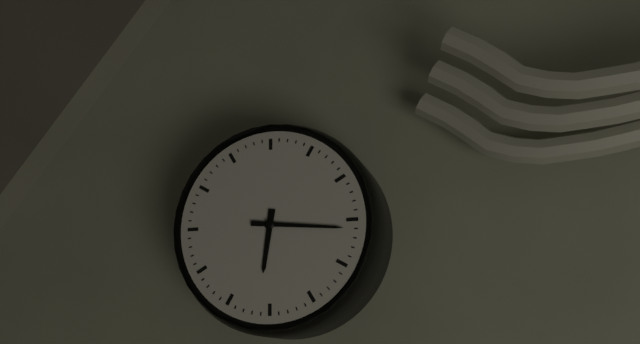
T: 6:16
